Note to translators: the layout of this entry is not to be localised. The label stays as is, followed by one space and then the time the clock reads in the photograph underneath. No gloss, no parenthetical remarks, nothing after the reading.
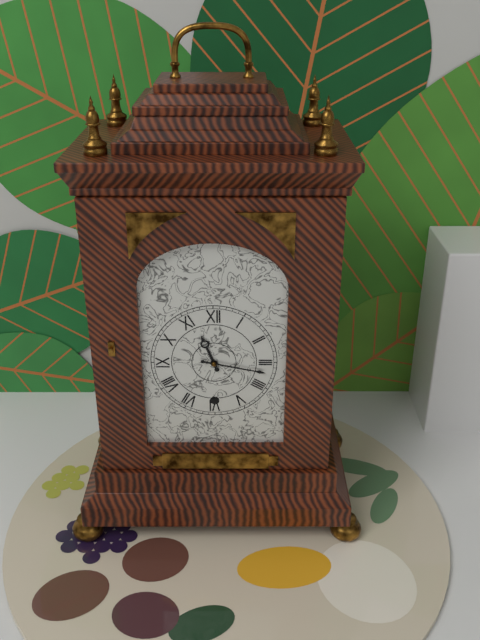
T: 11:17
